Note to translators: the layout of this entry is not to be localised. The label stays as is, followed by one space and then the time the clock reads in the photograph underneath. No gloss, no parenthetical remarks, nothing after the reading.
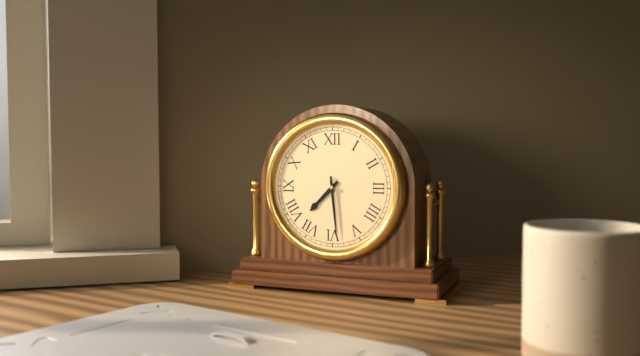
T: 7:29
